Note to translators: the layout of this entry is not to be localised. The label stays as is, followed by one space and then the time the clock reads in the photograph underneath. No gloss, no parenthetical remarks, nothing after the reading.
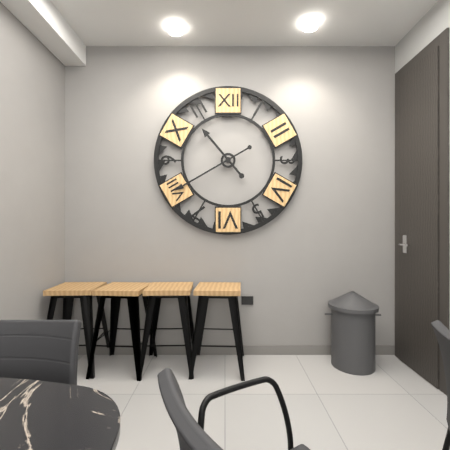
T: 10:40
